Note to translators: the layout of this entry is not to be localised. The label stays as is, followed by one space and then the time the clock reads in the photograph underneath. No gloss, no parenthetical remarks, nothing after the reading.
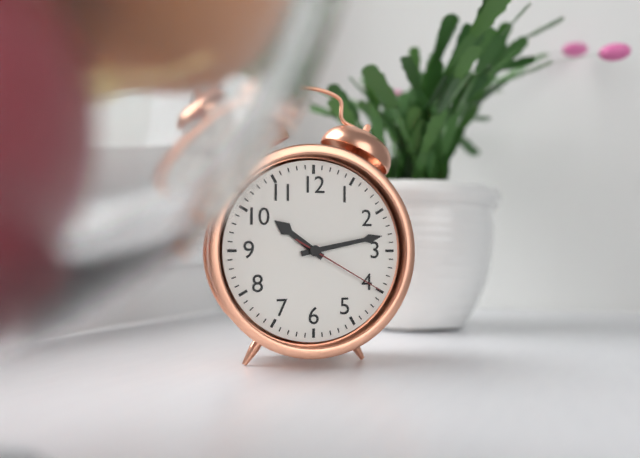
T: 10:13:20
